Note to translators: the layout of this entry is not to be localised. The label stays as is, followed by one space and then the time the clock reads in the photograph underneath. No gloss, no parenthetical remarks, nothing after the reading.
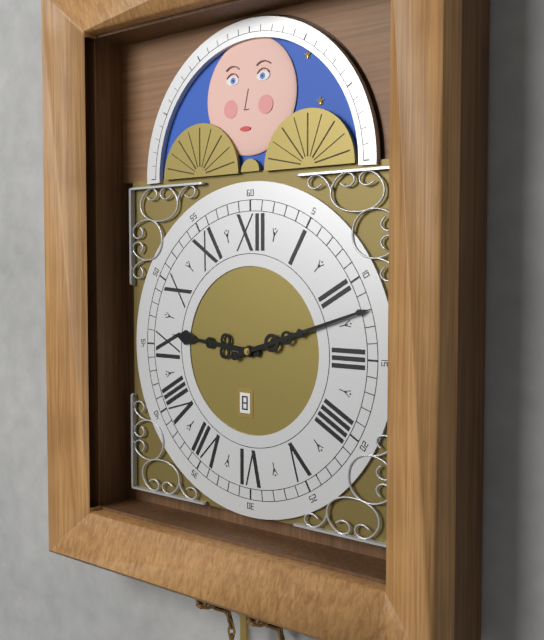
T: 9:12
